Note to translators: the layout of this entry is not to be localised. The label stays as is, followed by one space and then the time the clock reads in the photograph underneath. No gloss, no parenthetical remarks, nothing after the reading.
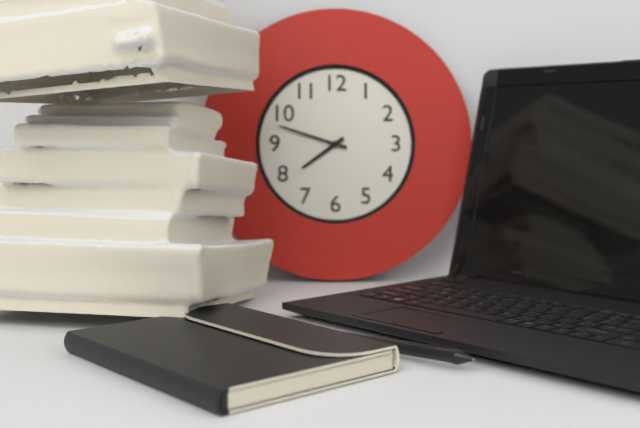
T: 7:48
